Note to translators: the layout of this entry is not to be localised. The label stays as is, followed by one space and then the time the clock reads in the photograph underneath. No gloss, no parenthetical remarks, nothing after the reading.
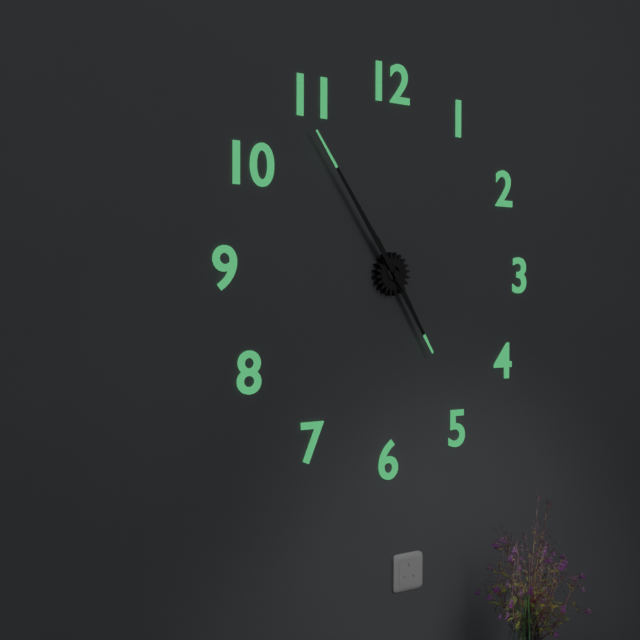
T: 4:54
